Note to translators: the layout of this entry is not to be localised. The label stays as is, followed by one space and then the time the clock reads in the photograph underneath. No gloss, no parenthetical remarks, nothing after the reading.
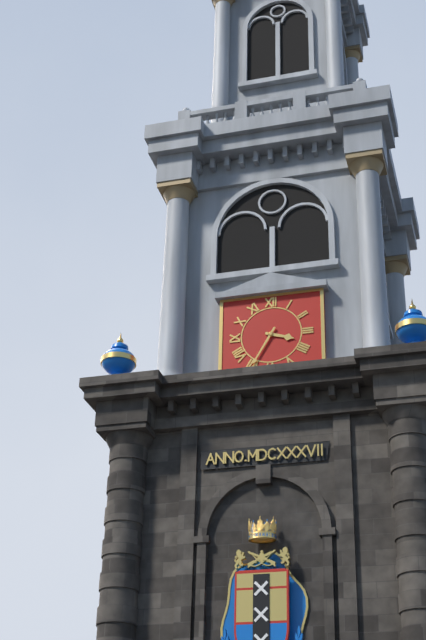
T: 3:35
